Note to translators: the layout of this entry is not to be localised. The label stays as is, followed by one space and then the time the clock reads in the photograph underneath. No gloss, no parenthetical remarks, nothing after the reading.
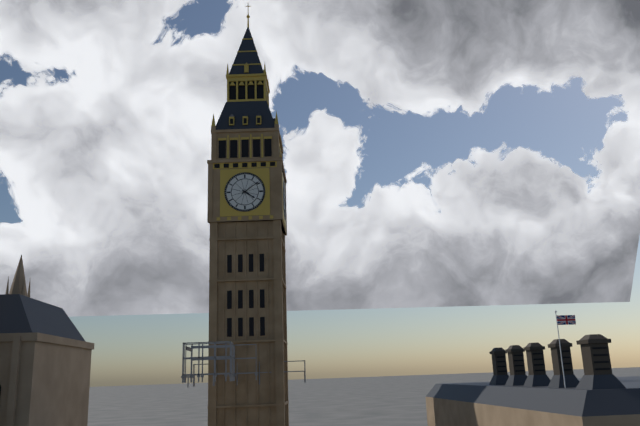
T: 4:09
